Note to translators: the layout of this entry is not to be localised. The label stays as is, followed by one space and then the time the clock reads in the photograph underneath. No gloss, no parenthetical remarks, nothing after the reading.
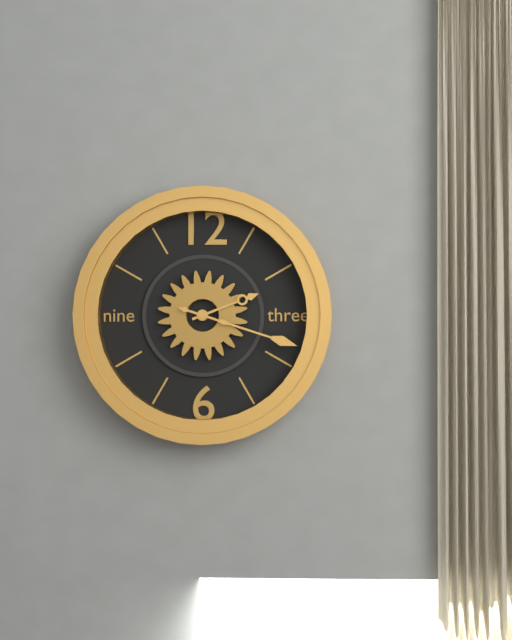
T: 2:18
